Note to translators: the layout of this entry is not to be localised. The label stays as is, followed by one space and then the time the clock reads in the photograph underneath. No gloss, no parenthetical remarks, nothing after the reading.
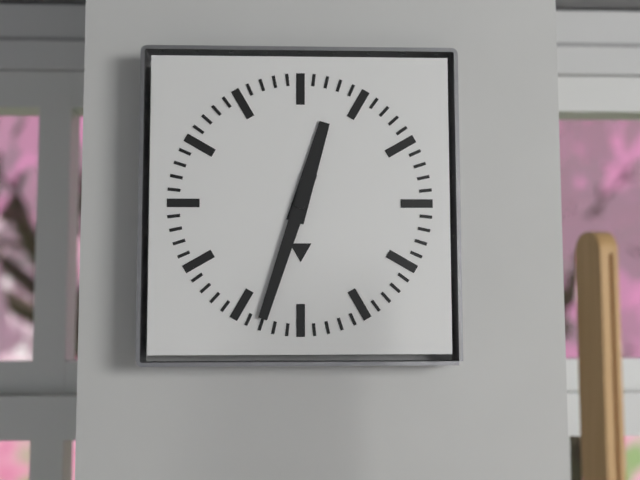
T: 12:33
